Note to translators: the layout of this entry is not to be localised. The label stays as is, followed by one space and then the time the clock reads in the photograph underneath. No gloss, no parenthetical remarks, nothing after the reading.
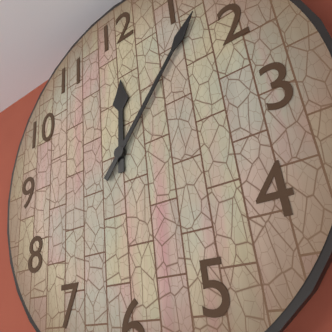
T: 12:07
